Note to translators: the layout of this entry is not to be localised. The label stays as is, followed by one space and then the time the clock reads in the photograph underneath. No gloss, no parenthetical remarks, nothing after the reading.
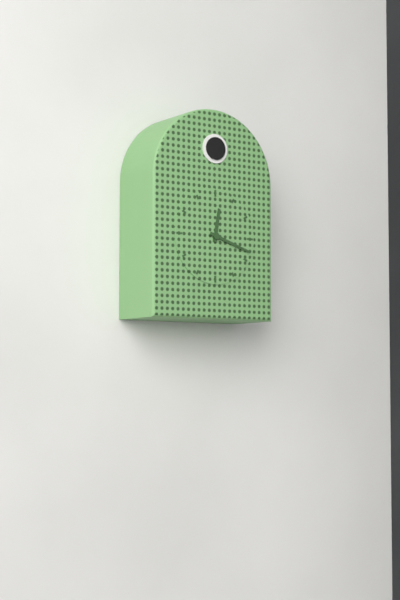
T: 12:18
